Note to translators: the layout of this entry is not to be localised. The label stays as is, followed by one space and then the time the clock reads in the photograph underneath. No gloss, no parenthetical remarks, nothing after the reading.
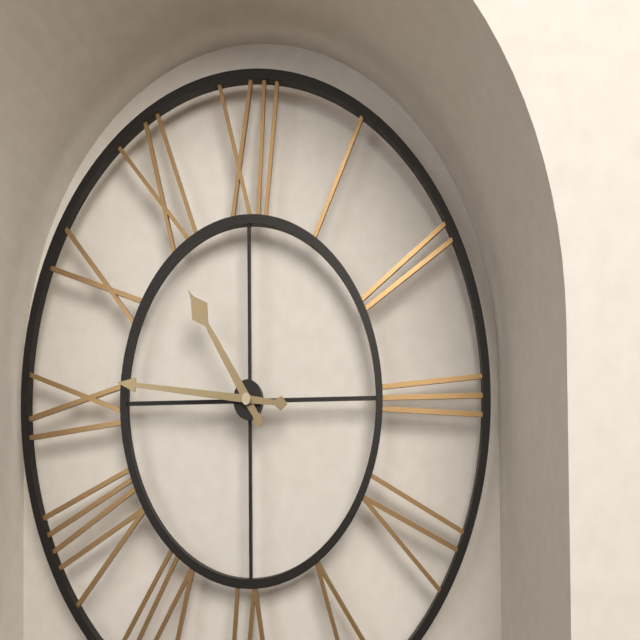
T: 10:46
